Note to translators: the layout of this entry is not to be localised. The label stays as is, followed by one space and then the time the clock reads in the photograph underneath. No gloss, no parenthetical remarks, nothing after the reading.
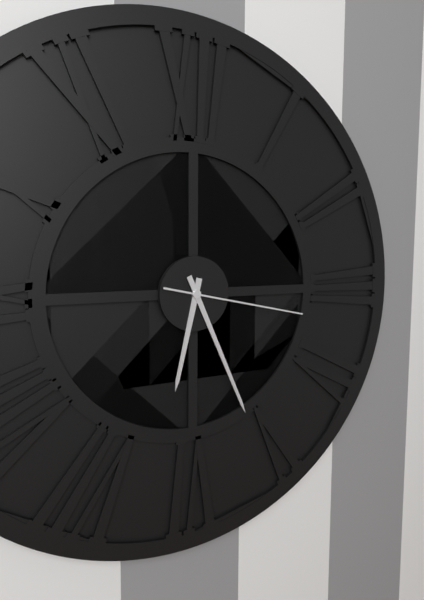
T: 6:26:17
